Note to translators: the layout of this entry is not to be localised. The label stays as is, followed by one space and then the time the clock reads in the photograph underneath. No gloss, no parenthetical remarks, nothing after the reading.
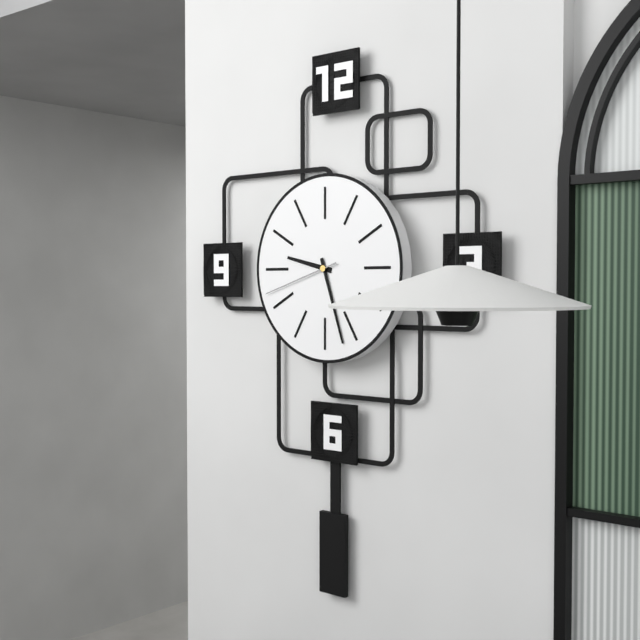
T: 9:27:42
